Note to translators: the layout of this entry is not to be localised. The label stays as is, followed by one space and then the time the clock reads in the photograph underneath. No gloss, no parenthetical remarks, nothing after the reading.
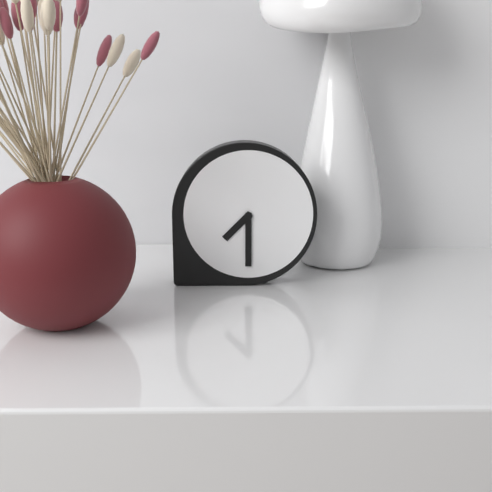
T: 7:30
